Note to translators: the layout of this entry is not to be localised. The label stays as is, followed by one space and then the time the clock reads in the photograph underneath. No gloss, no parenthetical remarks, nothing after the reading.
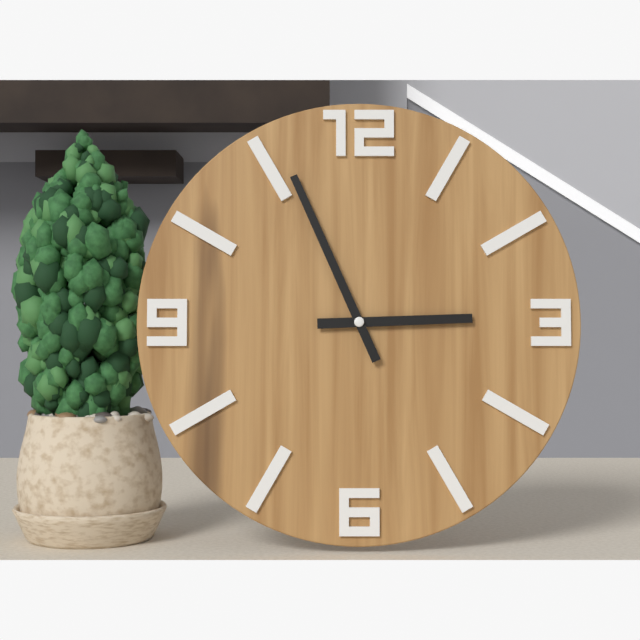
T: 2:56
